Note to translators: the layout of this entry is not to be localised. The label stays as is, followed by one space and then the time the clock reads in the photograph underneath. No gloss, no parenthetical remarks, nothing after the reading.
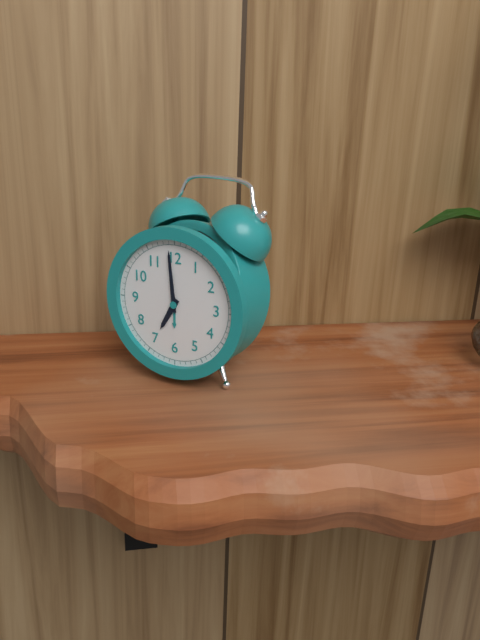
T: 6:59
